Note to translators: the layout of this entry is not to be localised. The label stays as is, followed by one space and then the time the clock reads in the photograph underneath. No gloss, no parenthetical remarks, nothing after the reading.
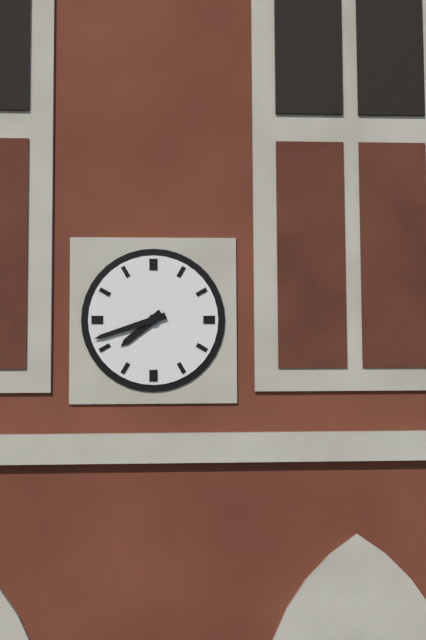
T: 7:42
